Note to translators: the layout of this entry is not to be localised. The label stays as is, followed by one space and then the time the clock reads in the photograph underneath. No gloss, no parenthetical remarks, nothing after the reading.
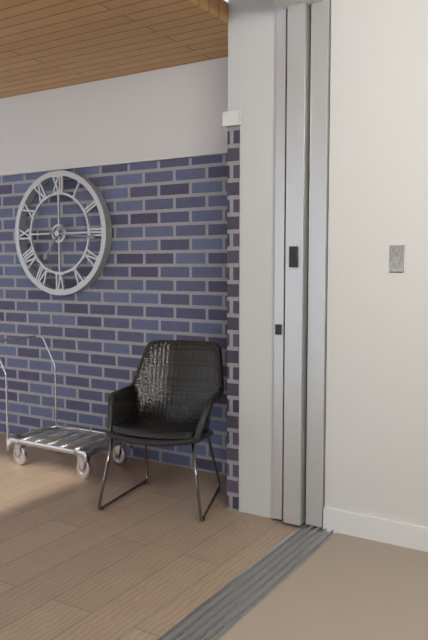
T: 7:16
